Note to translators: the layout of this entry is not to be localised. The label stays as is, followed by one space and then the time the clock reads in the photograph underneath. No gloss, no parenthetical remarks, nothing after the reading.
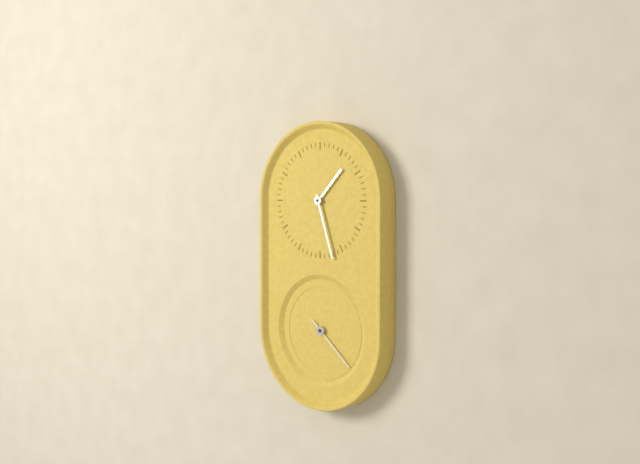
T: 1:27:22
